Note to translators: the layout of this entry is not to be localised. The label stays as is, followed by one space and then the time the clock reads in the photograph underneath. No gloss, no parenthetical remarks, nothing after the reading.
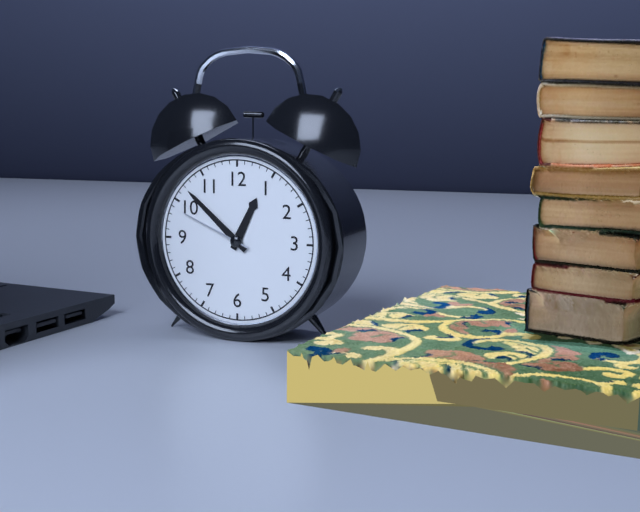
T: 12:52:49
